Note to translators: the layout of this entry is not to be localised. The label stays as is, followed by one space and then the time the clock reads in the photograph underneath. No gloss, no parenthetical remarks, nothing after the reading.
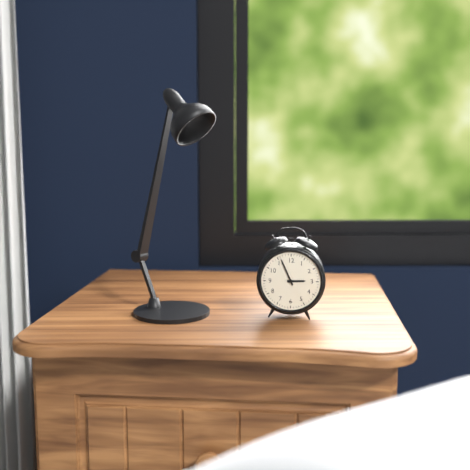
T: 2:56
